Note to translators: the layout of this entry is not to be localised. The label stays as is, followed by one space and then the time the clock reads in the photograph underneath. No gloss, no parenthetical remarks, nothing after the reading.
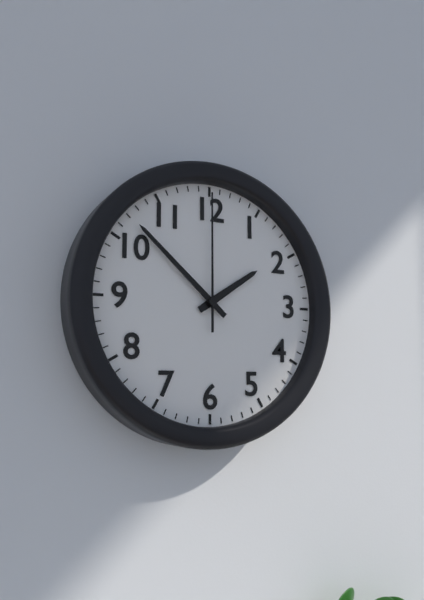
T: 1:52:00
